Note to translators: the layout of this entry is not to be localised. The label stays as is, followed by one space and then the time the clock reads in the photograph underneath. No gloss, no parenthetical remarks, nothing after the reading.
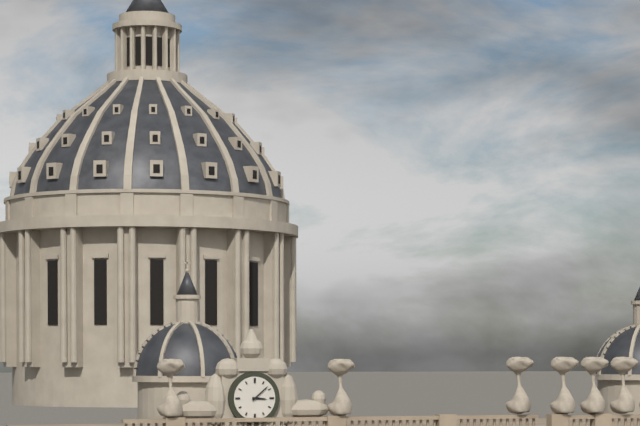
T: 3:08
